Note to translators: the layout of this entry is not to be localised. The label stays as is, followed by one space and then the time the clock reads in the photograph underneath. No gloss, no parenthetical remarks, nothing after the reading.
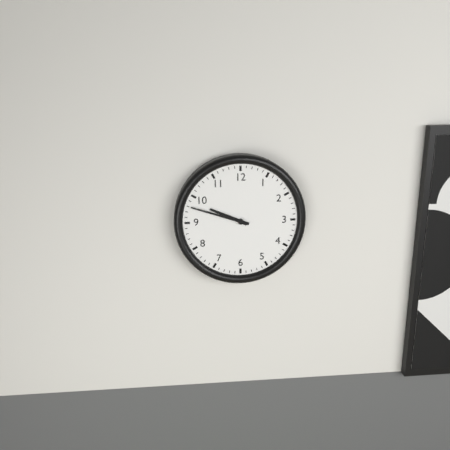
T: 9:48
